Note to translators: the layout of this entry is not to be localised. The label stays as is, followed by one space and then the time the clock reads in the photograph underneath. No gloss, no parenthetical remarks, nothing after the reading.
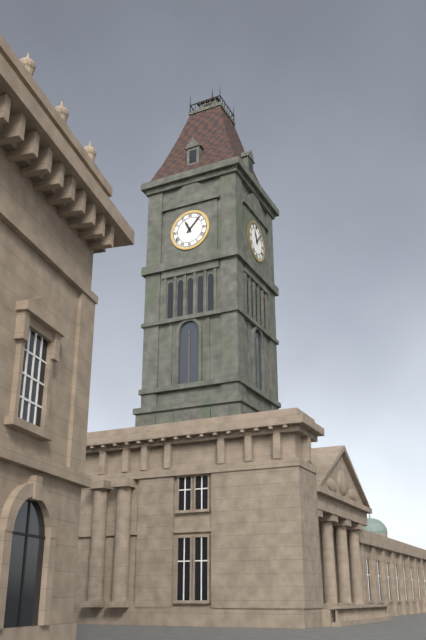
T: 11:07
